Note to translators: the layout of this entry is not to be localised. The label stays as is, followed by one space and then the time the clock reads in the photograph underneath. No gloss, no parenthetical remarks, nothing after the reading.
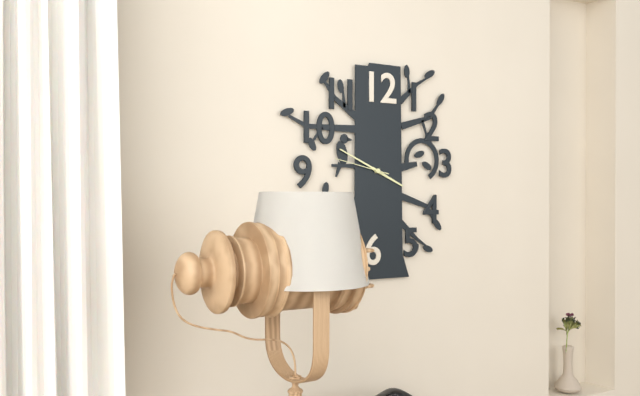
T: 3:49:47
